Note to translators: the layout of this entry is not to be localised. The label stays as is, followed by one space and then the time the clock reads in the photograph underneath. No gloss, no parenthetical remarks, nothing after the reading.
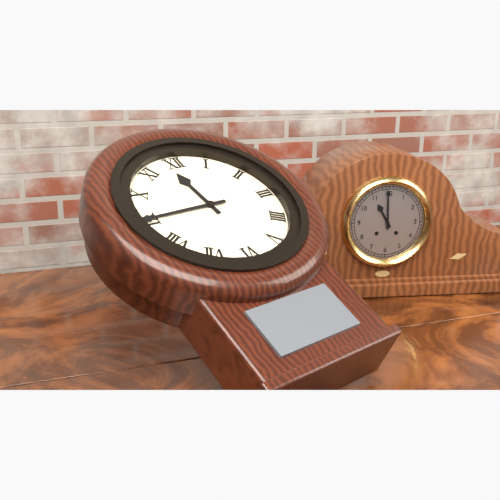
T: 11:45
